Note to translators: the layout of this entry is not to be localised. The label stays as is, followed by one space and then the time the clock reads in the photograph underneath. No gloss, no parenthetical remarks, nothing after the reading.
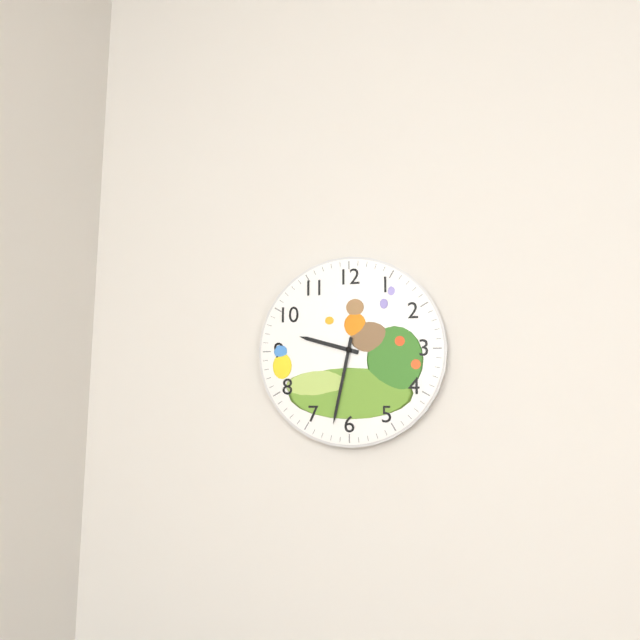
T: 9:32
